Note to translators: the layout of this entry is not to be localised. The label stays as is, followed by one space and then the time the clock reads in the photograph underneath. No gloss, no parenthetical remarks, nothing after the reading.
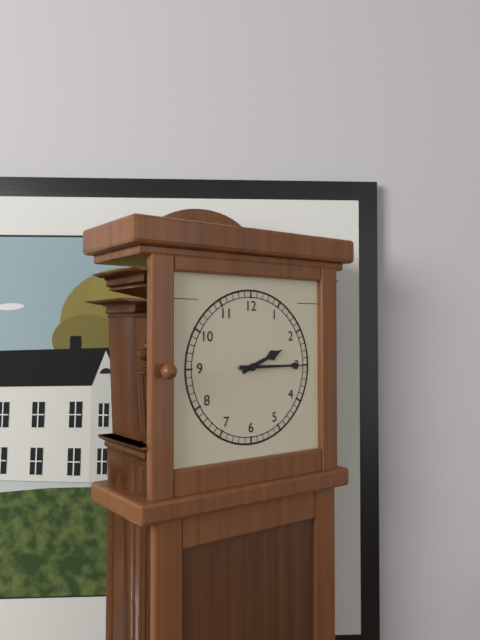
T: 2:15
